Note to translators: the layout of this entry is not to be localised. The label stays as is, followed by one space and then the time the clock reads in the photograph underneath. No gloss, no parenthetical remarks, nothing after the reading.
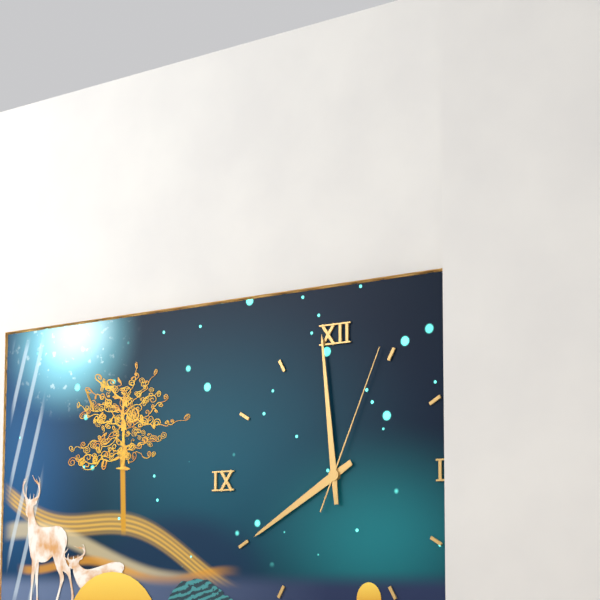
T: 7:59:04
